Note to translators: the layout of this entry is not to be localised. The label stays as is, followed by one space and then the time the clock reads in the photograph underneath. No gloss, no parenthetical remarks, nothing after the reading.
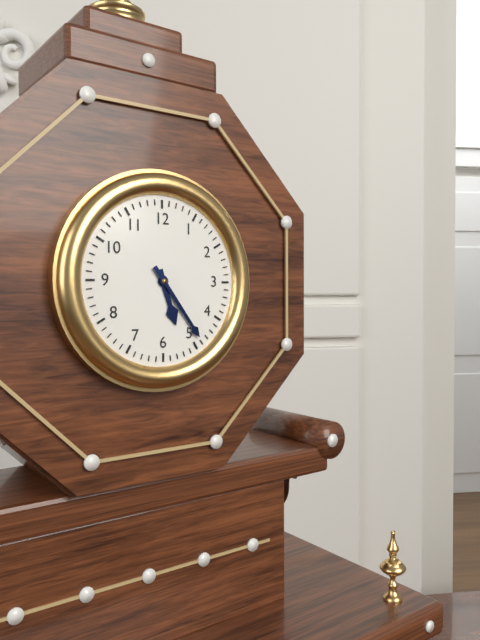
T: 5:24
